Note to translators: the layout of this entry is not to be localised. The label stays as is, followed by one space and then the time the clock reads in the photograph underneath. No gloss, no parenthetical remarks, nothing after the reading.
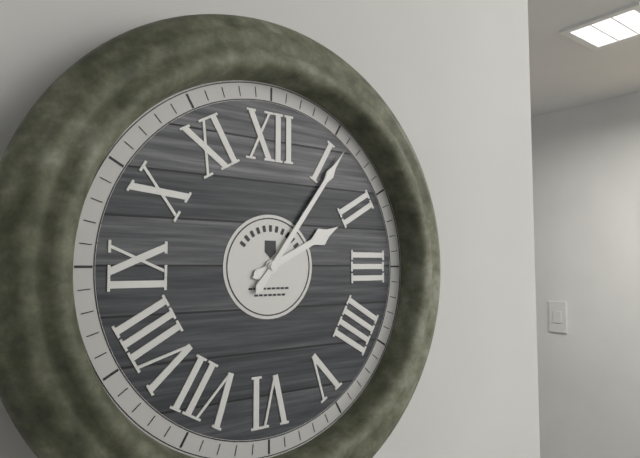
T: 2:06
